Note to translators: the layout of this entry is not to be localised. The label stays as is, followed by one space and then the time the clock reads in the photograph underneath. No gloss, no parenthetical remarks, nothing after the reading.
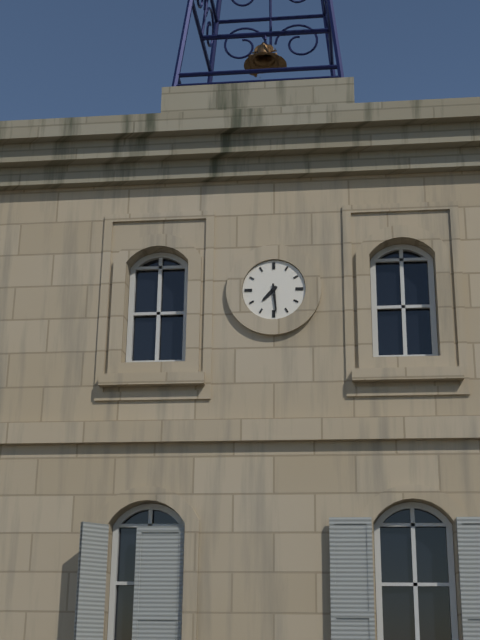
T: 7:29
